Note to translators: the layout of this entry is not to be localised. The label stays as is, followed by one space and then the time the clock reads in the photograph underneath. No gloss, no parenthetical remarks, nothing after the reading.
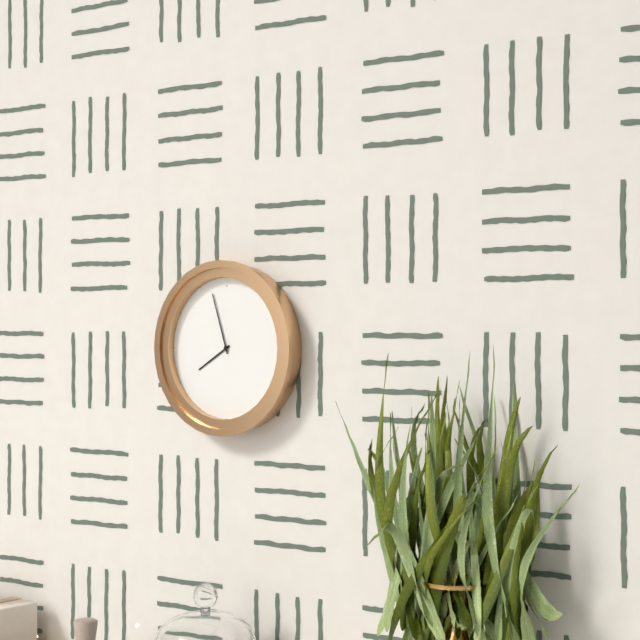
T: 7:57
